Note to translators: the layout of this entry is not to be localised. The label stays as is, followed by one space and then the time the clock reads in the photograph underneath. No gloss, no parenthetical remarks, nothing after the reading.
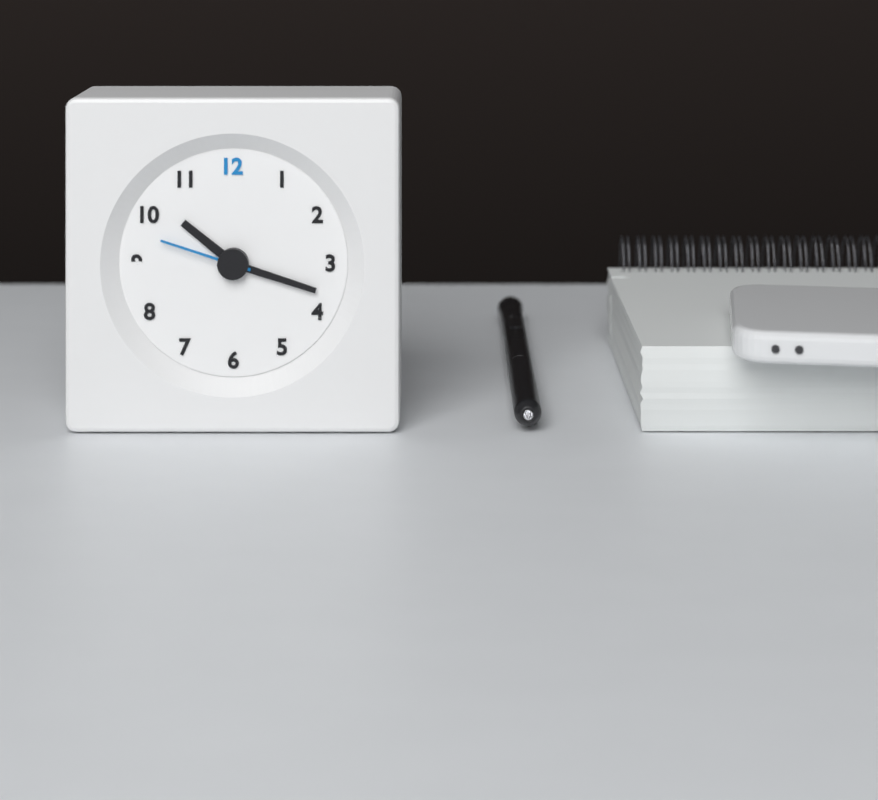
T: 10:18:48
